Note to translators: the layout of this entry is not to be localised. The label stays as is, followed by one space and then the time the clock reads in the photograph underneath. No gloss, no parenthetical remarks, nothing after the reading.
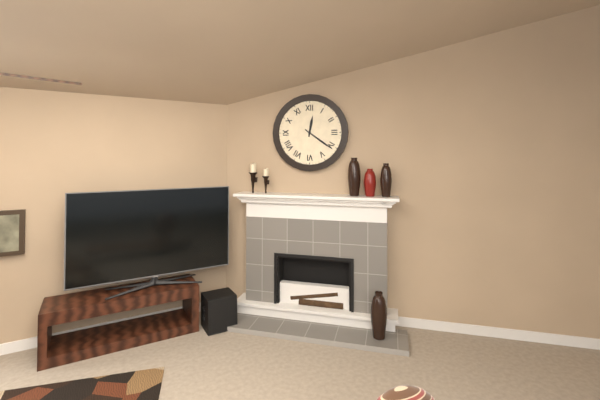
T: 12:21
